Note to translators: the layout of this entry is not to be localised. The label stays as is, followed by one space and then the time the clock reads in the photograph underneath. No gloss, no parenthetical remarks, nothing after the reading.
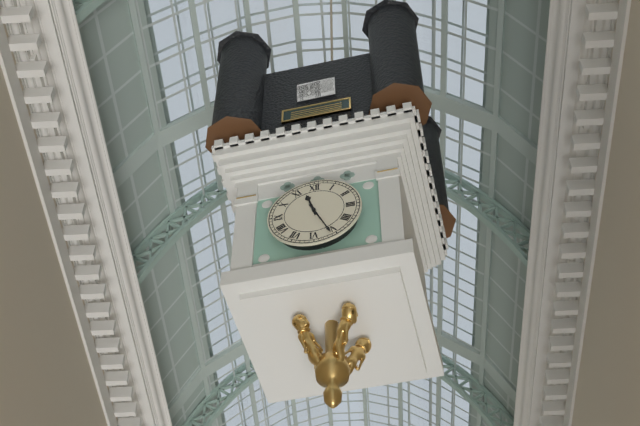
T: 11:26
